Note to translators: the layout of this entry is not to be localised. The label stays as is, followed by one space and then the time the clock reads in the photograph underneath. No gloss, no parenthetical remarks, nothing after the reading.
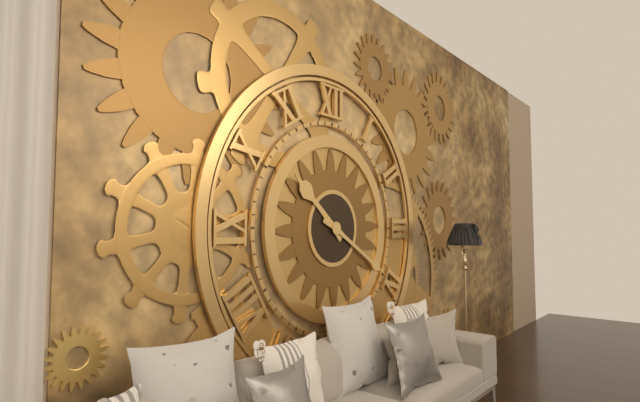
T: 10:20
